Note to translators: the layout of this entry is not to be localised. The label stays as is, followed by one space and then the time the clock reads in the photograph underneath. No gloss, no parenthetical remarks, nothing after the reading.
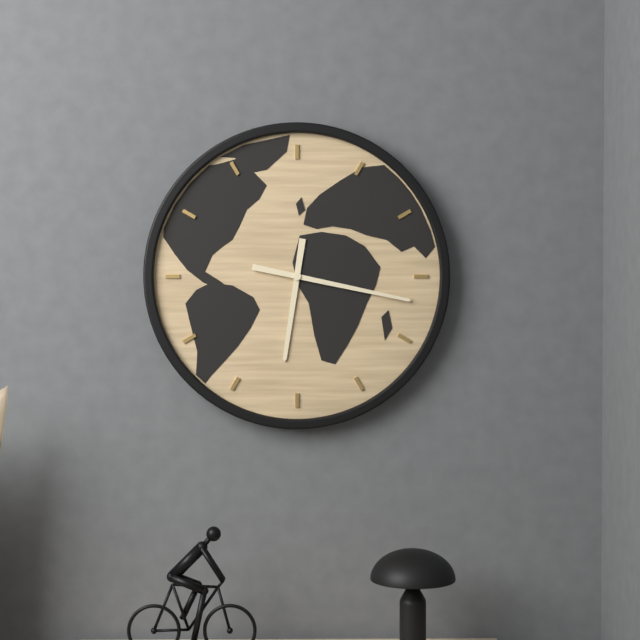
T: 6:17
